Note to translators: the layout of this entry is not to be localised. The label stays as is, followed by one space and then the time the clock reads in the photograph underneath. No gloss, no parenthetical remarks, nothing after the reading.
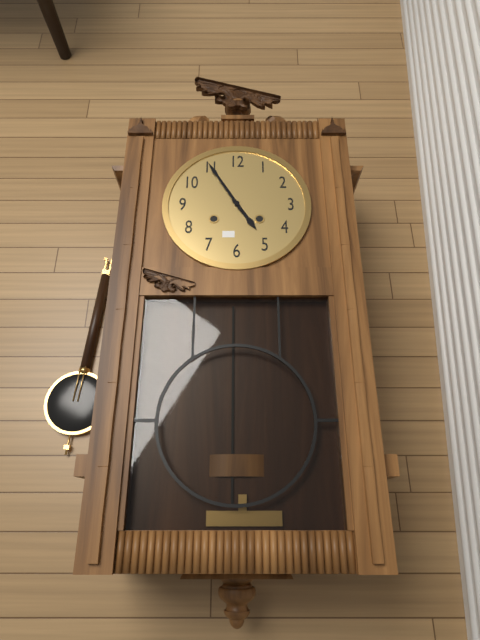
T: 4:55
